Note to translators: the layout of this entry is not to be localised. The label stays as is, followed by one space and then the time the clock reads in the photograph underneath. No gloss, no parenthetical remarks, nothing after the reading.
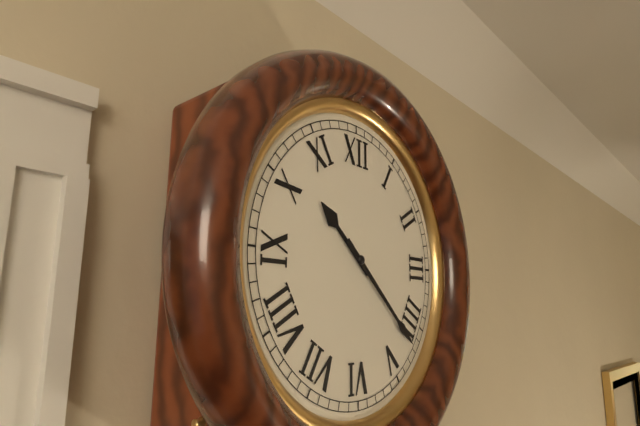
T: 10:22
